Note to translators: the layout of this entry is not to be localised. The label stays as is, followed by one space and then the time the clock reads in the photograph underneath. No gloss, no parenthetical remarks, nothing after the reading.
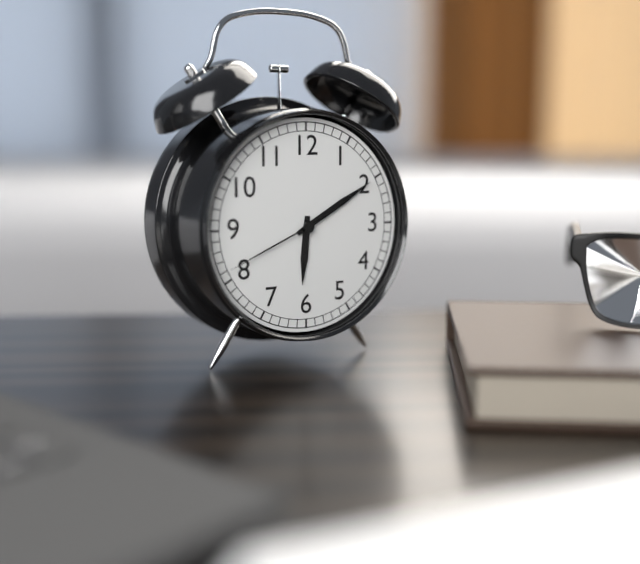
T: 6:10:41
